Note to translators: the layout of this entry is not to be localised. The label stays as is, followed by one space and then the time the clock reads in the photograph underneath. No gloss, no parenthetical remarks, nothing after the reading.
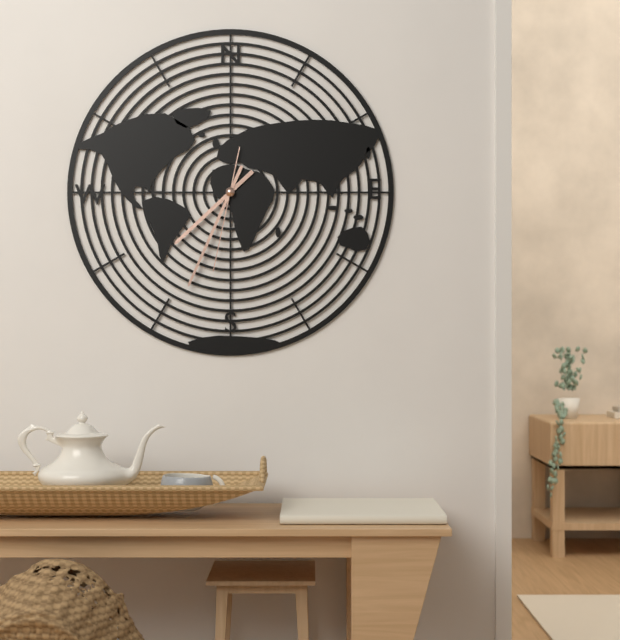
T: 7:34:32
